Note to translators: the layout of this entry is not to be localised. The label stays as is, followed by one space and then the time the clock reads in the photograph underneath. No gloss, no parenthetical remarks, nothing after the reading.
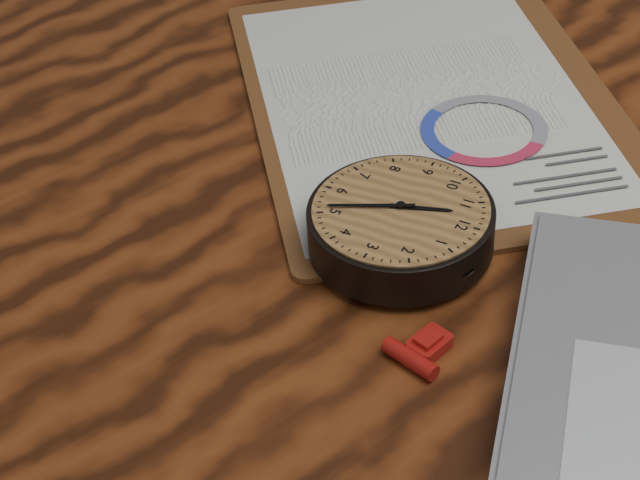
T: 11:26
